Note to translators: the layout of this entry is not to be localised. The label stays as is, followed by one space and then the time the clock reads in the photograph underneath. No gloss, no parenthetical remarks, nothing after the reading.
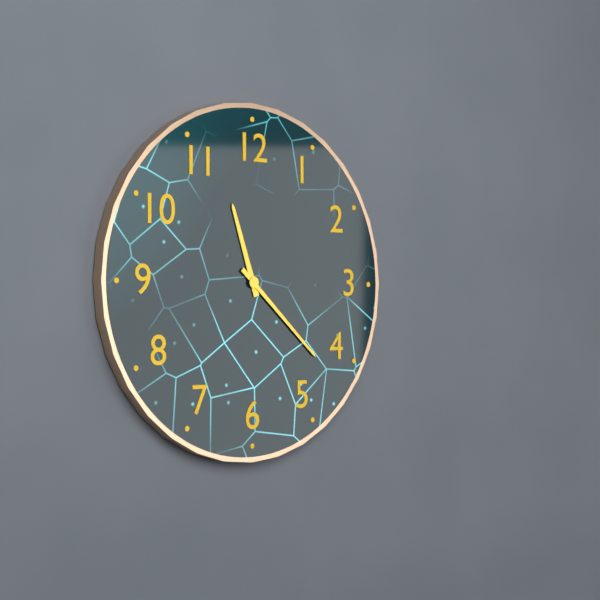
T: 11:22
